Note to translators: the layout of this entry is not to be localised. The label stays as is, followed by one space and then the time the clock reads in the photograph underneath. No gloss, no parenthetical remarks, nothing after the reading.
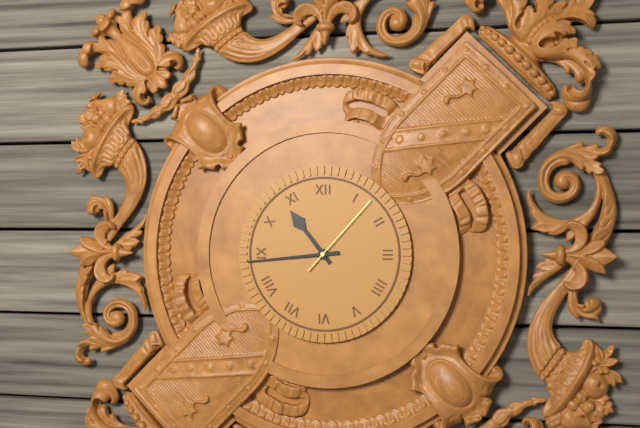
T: 10:44:07
